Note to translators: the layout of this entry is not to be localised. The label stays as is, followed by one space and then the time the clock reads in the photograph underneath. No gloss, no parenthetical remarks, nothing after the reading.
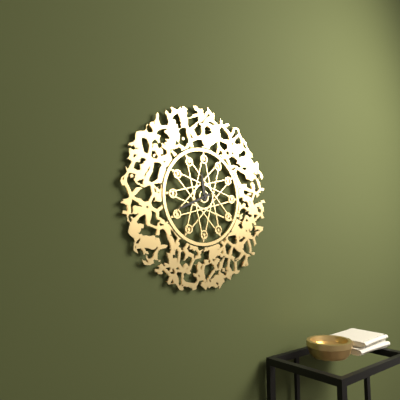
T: 11:41
